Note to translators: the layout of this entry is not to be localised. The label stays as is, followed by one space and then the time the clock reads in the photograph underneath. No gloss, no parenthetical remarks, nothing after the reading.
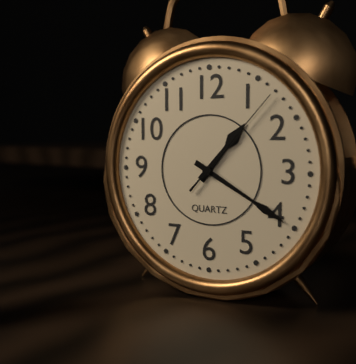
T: 1:20:07
